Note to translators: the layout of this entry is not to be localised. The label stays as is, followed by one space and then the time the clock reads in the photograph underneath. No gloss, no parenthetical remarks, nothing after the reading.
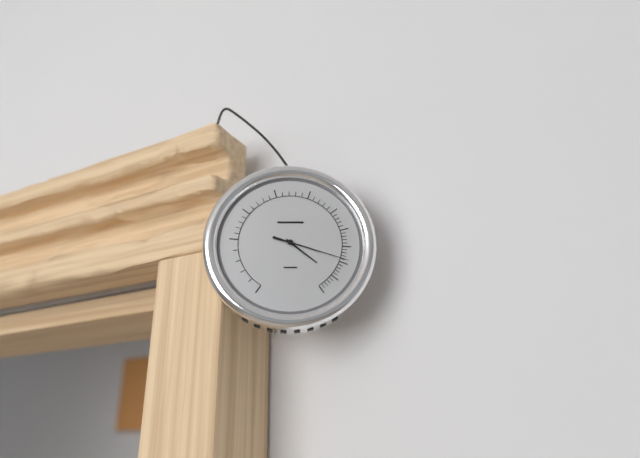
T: 4:18
